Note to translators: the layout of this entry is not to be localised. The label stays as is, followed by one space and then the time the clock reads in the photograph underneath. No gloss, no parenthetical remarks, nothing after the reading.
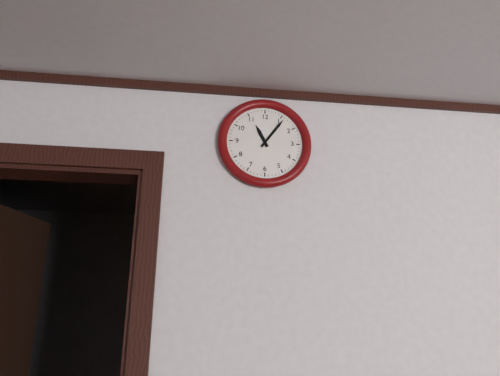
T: 11:06
